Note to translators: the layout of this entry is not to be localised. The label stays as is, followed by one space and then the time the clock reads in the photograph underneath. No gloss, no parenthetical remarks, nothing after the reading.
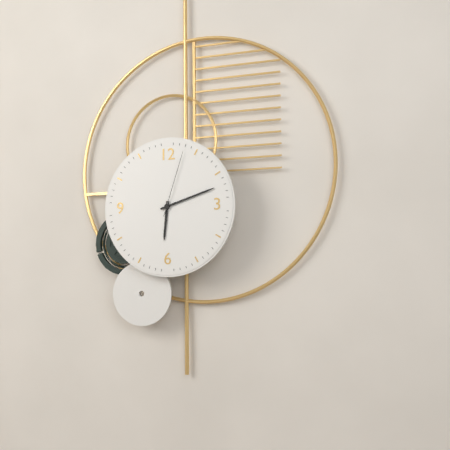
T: 6:12:03
